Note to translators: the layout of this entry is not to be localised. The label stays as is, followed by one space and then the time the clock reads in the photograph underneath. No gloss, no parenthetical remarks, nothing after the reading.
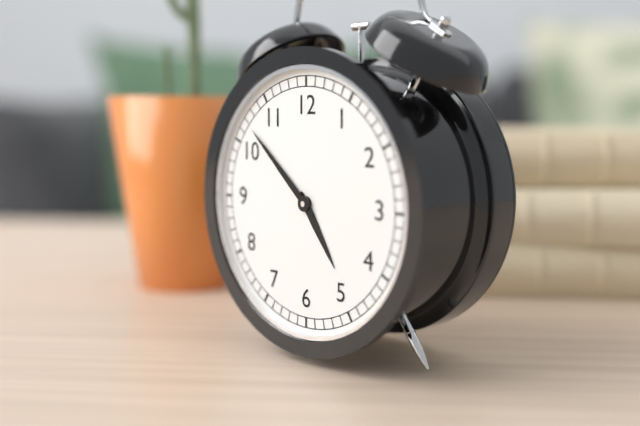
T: 4:52
